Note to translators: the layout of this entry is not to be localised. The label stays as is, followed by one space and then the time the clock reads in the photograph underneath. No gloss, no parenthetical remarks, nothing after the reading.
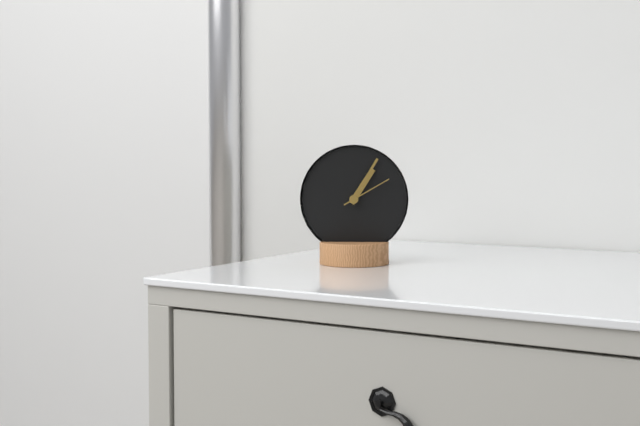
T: 1:05:10
